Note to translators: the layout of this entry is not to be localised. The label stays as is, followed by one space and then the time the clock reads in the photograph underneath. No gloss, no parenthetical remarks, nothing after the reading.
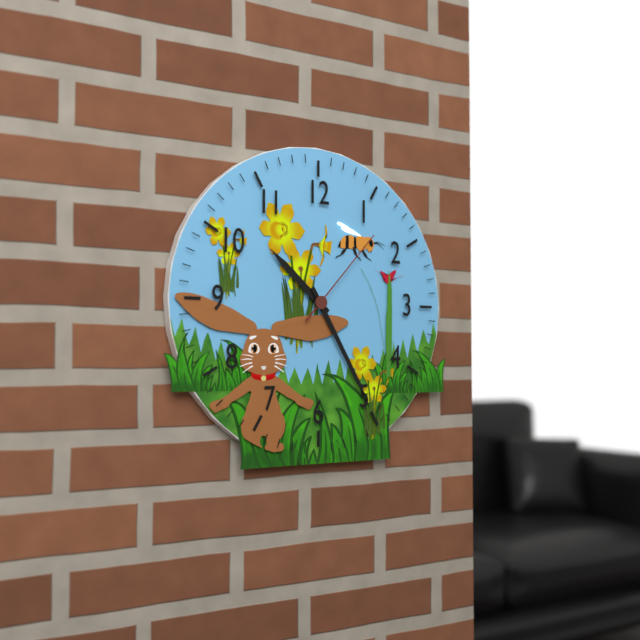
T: 10:25:07
